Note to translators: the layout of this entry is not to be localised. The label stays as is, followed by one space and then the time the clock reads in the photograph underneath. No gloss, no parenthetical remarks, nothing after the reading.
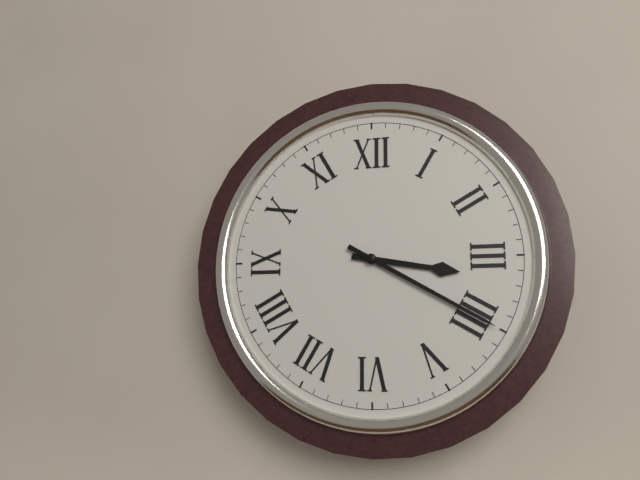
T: 3:20
